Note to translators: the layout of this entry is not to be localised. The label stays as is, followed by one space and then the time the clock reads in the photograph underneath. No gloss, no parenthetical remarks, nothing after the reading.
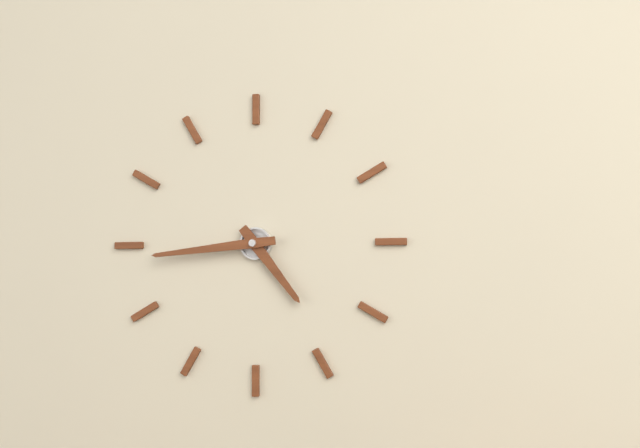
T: 4:44
